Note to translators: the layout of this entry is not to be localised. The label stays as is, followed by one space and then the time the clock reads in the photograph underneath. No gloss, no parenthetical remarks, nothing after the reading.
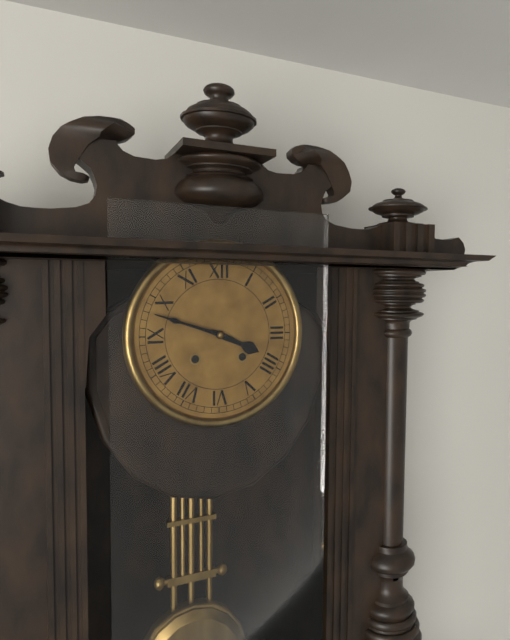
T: 3:48
